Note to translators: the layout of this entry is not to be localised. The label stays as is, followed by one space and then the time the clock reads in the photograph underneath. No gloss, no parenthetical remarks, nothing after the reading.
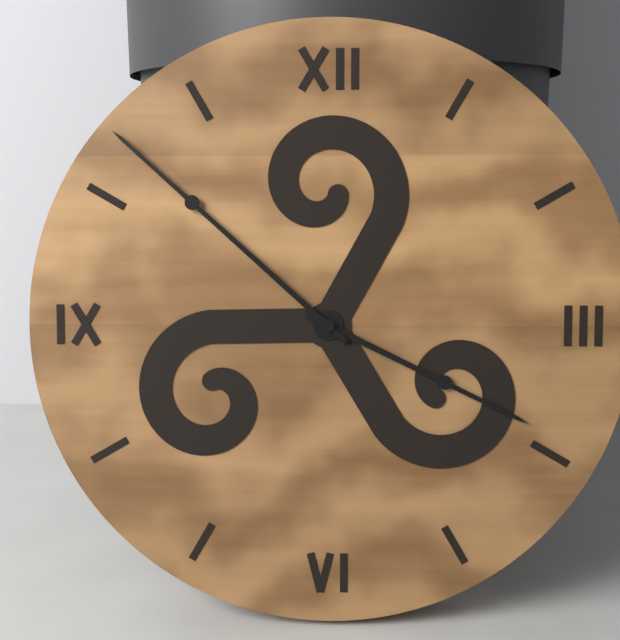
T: 3:52
